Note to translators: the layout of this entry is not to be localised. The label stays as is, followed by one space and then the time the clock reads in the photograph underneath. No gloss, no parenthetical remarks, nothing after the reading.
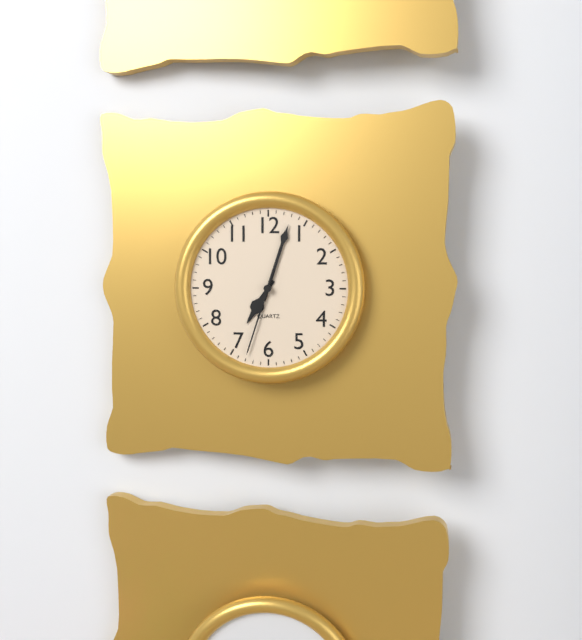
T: 7:03:33
